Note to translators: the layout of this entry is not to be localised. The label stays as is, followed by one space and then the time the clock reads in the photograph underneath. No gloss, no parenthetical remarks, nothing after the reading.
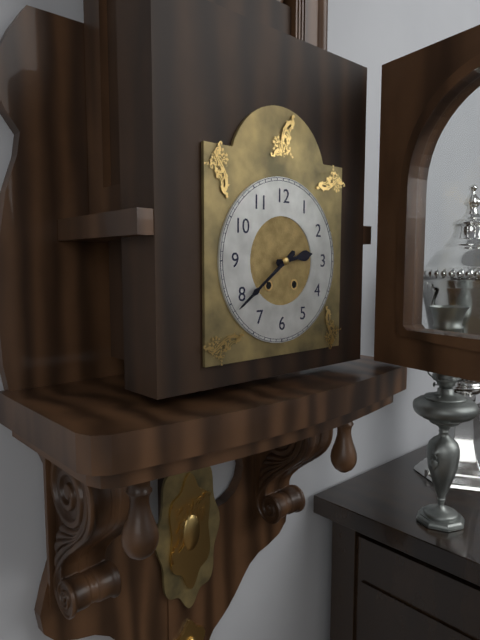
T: 2:39
